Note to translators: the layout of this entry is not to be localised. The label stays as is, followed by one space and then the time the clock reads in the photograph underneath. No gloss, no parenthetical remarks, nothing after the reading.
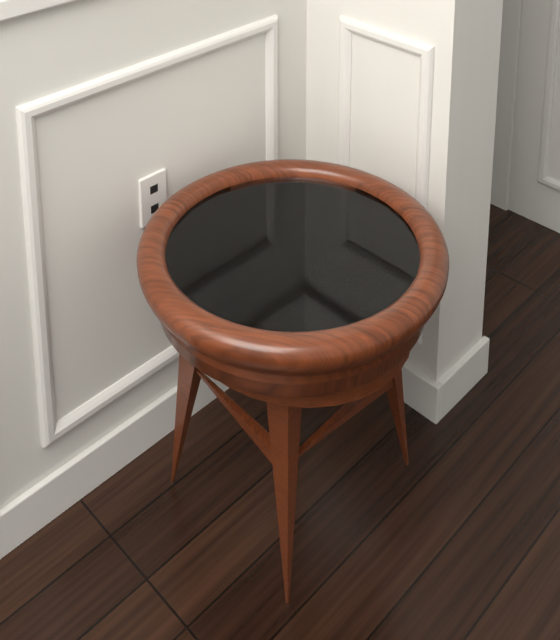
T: 12:32
